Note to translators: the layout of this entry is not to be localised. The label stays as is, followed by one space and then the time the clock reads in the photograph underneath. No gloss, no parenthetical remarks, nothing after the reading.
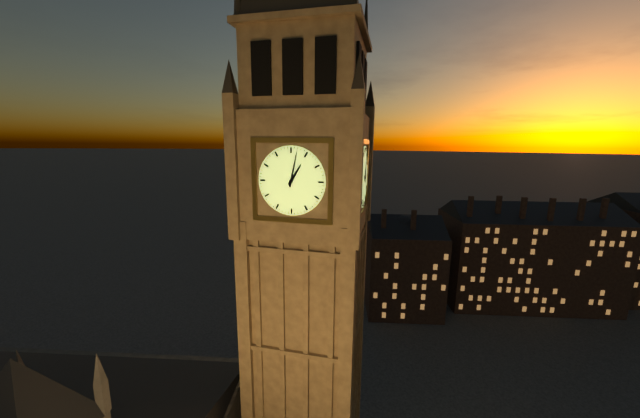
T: 1:02
